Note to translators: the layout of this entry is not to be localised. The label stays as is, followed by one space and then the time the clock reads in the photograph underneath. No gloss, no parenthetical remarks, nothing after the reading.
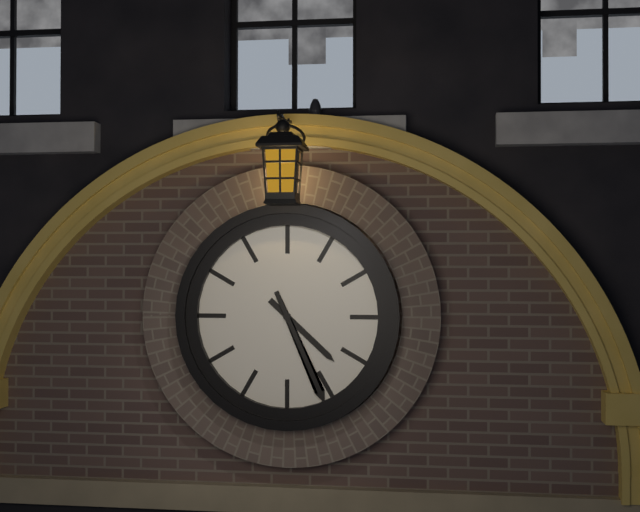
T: 4:26
